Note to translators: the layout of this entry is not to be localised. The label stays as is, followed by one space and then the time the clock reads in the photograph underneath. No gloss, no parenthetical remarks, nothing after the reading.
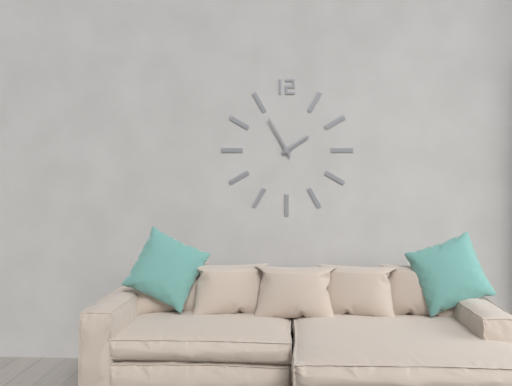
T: 1:55
